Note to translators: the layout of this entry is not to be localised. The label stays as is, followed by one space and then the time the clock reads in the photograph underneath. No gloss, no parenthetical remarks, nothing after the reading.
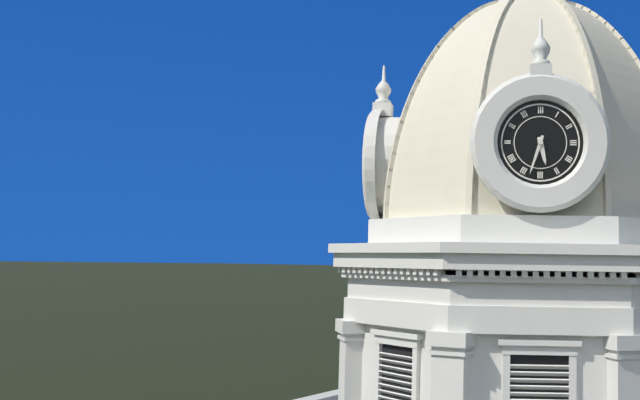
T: 5:33
